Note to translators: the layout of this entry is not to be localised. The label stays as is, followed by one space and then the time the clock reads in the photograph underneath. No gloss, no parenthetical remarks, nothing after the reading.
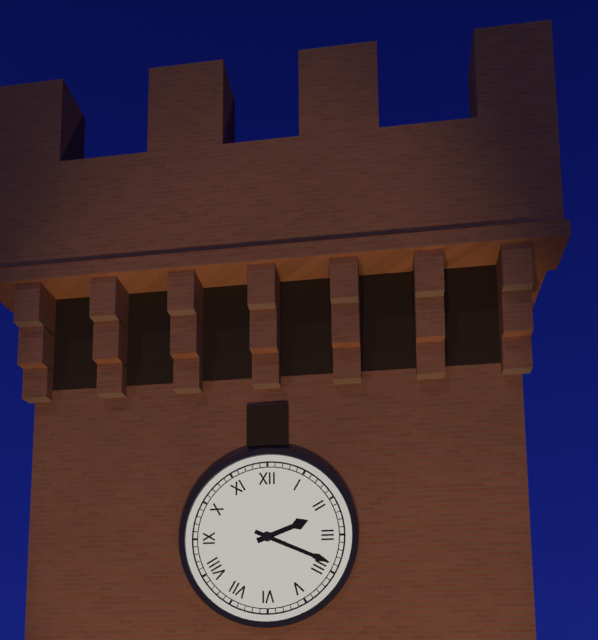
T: 2:19
